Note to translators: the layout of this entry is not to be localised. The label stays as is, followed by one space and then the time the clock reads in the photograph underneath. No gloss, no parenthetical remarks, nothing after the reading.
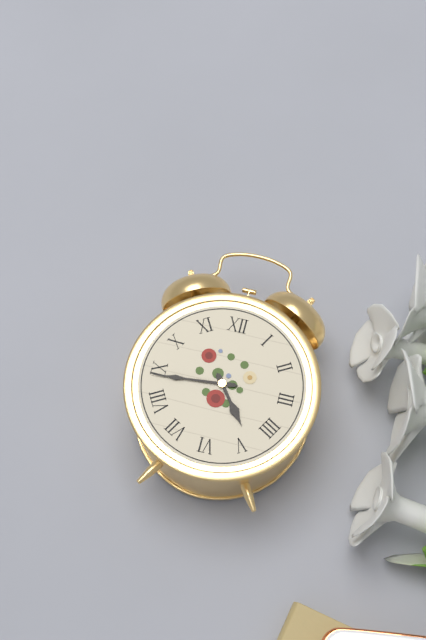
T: 4:44
